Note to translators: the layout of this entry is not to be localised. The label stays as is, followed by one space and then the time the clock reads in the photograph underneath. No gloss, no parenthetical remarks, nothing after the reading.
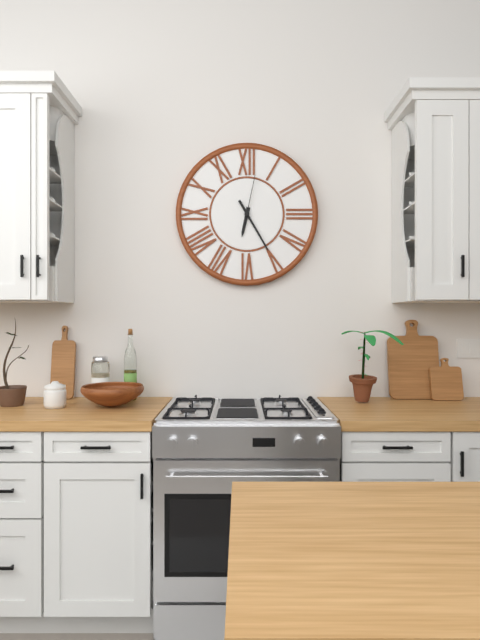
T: 6:25:02
